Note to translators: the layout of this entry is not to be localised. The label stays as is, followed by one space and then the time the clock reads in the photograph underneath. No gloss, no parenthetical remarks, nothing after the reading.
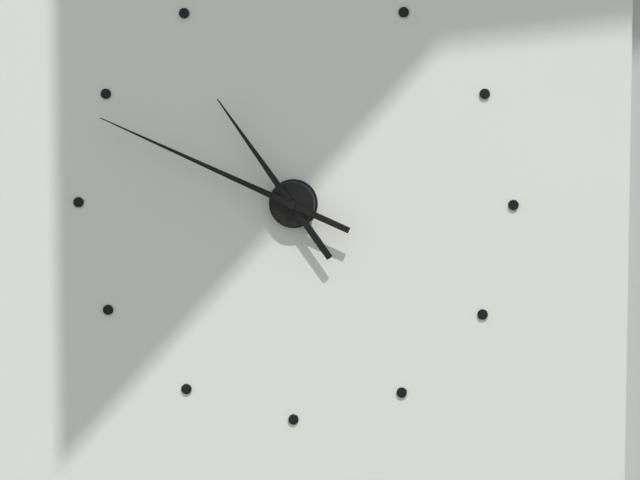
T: 10:49
